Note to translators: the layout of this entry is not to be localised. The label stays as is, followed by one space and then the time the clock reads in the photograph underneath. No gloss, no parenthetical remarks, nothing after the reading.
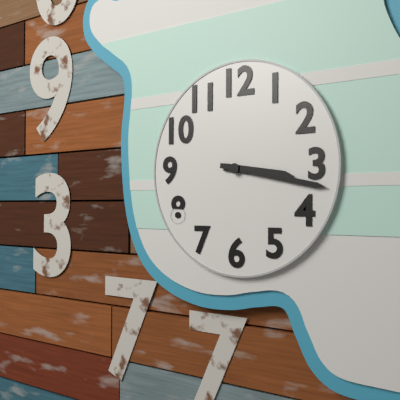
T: 3:17
